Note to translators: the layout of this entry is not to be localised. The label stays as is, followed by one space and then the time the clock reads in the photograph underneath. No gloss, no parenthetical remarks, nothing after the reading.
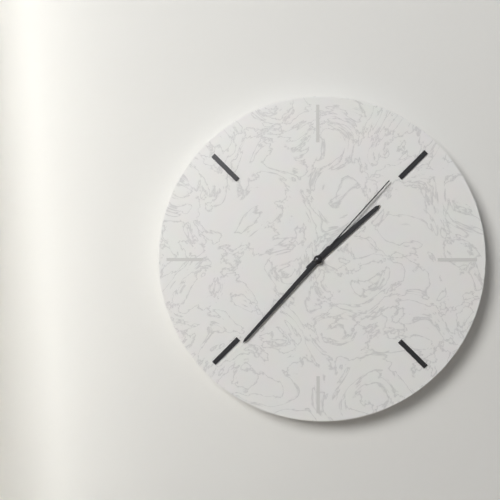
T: 1:37:07
